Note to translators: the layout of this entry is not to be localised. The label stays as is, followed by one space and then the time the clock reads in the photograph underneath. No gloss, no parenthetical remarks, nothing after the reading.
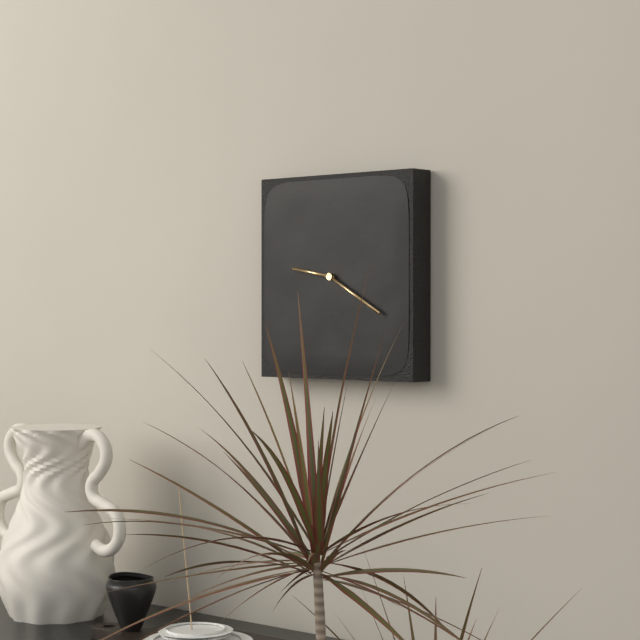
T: 9:20
